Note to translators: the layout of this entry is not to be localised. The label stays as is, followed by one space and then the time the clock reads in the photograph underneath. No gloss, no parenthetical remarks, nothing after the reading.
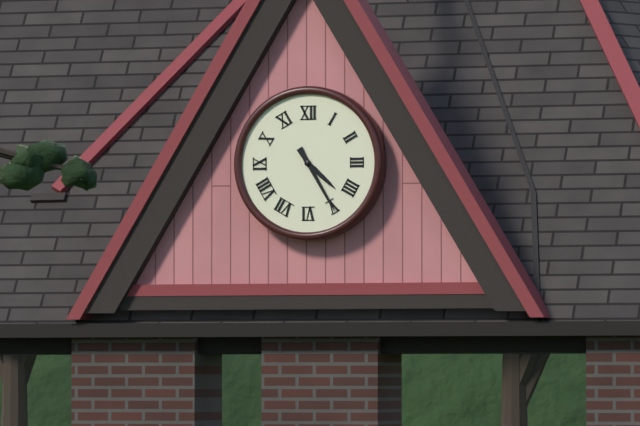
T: 4:25
